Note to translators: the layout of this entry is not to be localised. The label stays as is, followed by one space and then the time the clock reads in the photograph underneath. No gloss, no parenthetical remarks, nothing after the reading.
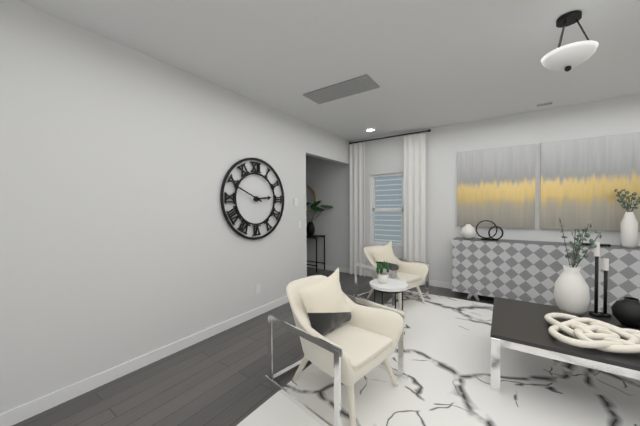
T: 2:49
